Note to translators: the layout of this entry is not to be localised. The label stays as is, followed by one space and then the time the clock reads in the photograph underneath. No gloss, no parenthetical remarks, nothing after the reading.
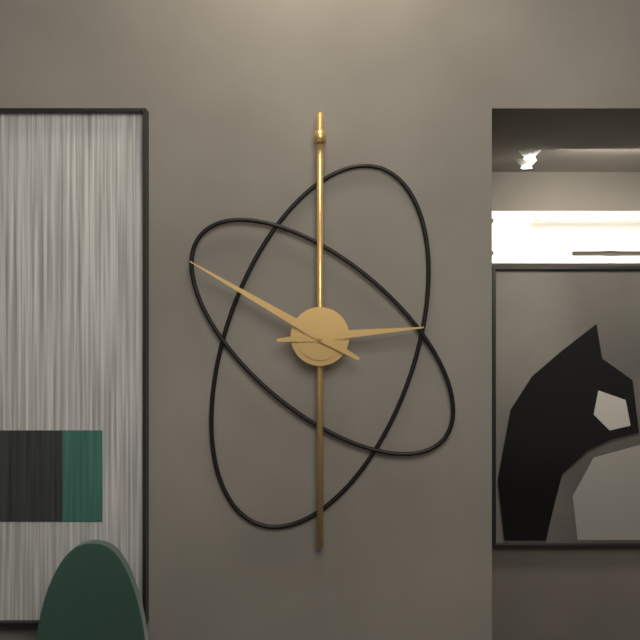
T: 2:50
